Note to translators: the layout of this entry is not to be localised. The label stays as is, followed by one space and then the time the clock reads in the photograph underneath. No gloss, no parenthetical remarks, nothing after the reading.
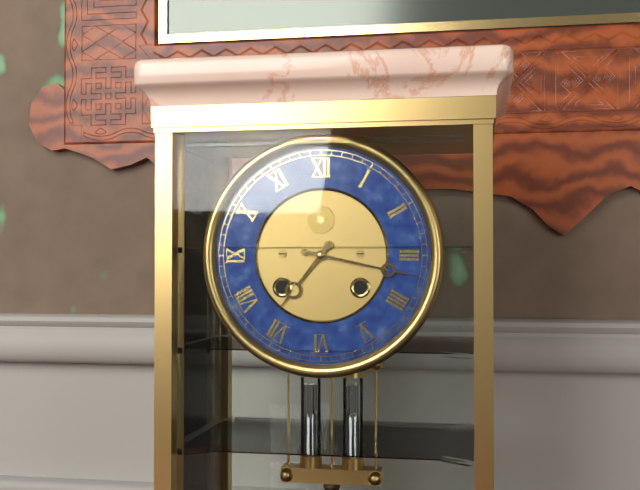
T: 7:17
